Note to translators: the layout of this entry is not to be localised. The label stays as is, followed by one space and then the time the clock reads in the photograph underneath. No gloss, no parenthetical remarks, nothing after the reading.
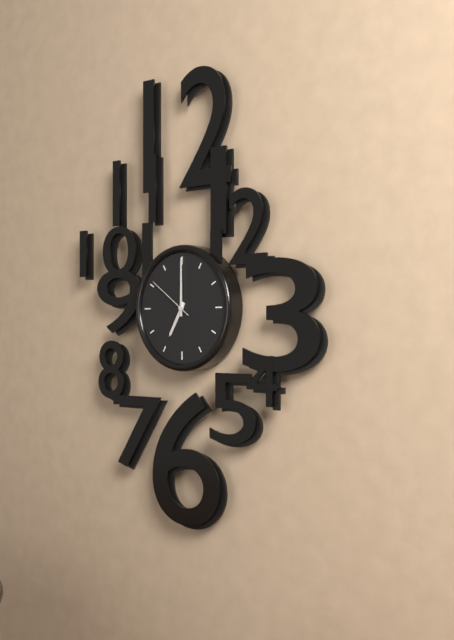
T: 7:00:51
